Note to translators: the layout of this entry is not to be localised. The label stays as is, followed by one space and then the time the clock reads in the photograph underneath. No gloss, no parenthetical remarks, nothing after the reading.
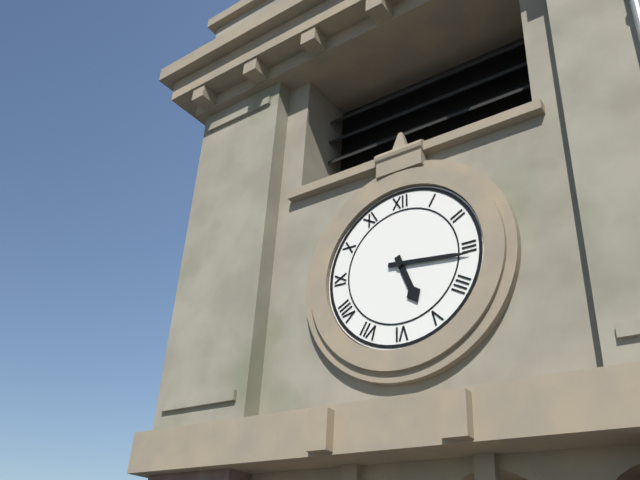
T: 5:16
